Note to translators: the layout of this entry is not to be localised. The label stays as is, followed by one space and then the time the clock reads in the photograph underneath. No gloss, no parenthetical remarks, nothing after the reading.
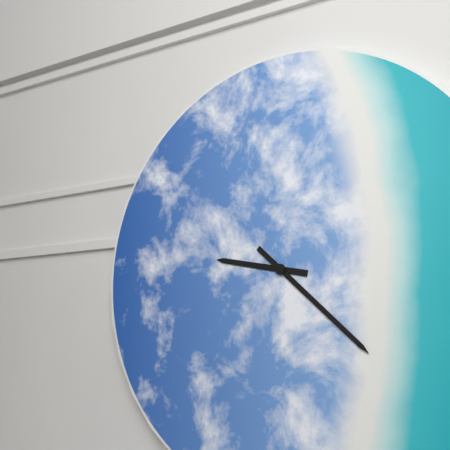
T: 9:22
